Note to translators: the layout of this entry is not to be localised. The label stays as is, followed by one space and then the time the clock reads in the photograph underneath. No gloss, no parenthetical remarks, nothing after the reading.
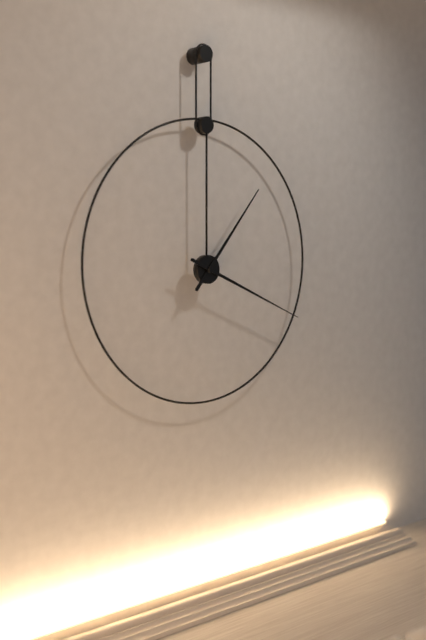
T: 1:19
